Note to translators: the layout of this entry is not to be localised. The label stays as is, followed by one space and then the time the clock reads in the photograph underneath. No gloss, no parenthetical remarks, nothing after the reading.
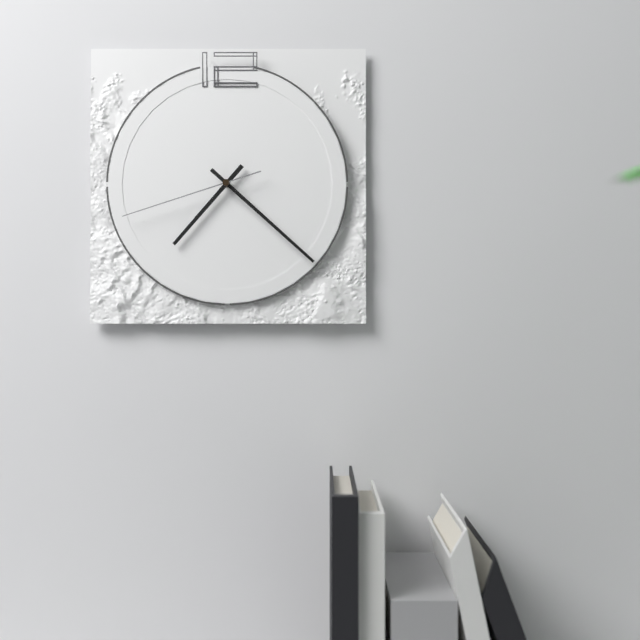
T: 7:22:42
